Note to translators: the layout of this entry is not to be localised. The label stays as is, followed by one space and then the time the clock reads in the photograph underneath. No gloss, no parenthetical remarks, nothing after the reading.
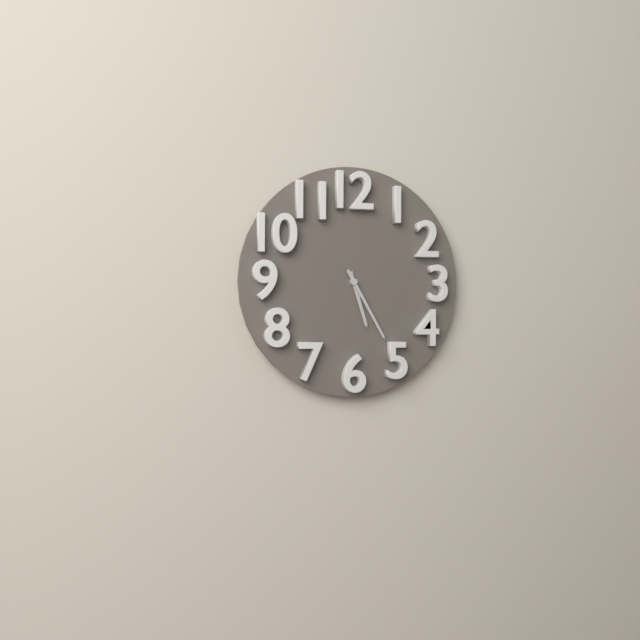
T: 5:25
